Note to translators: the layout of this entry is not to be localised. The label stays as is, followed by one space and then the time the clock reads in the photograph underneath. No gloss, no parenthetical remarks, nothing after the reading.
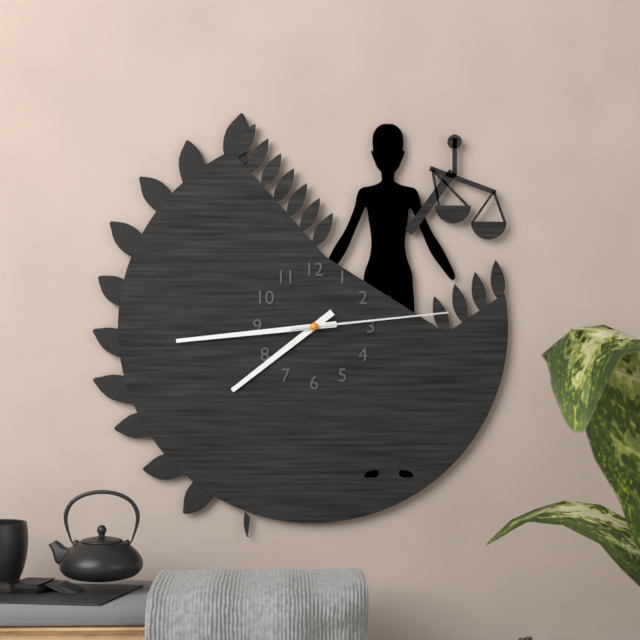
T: 7:44:14
